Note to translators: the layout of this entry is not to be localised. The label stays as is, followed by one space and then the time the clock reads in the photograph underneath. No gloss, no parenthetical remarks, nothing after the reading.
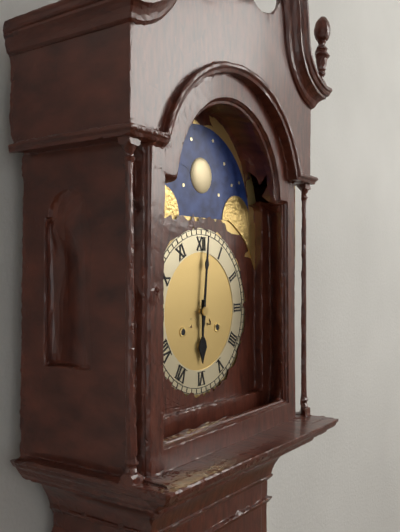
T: 6:01
